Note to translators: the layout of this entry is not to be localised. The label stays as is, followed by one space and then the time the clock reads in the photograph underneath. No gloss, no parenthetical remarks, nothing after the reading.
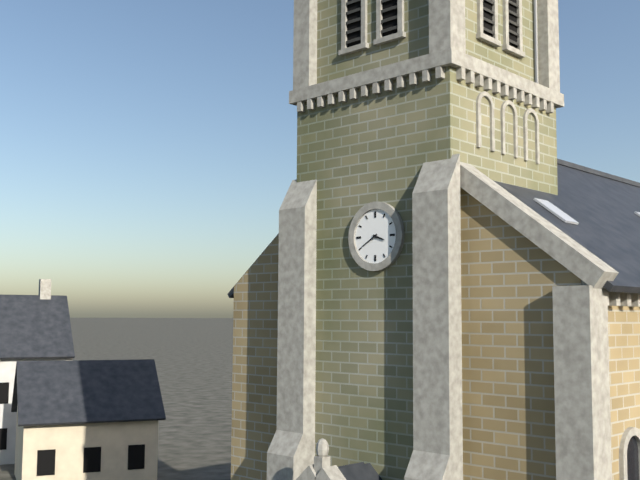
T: 3:40
